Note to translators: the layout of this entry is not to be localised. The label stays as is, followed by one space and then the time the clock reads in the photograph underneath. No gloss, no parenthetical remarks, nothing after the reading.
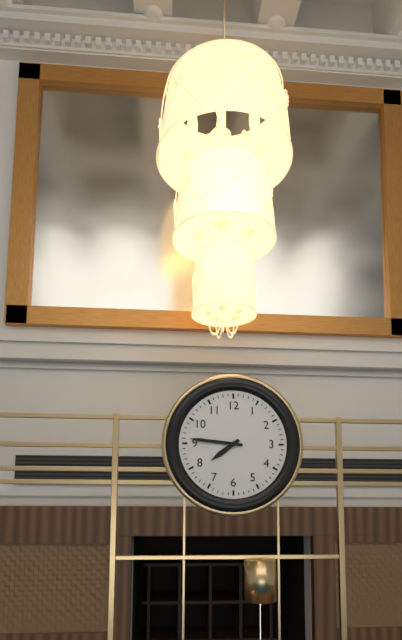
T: 7:46
